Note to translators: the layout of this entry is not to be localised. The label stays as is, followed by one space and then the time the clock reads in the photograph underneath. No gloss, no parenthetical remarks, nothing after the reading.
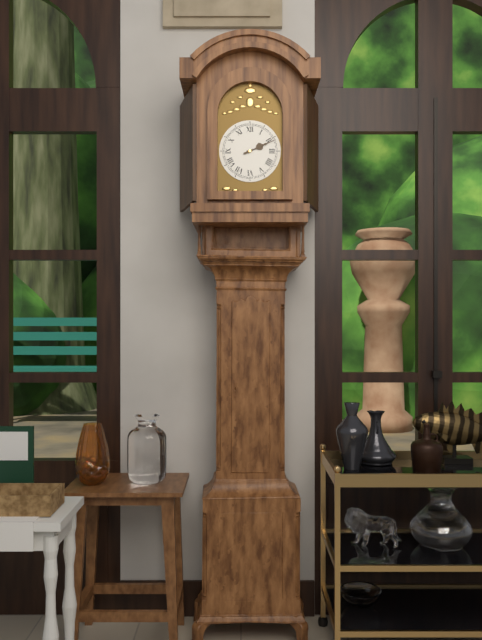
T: 2:11
